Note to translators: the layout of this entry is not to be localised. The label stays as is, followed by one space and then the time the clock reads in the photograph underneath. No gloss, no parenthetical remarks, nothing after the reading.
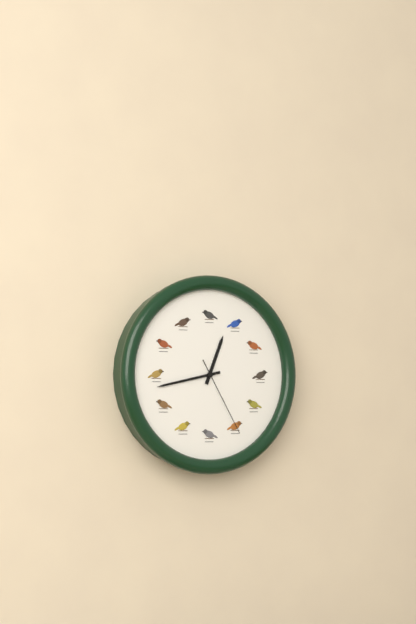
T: 12:43:25
